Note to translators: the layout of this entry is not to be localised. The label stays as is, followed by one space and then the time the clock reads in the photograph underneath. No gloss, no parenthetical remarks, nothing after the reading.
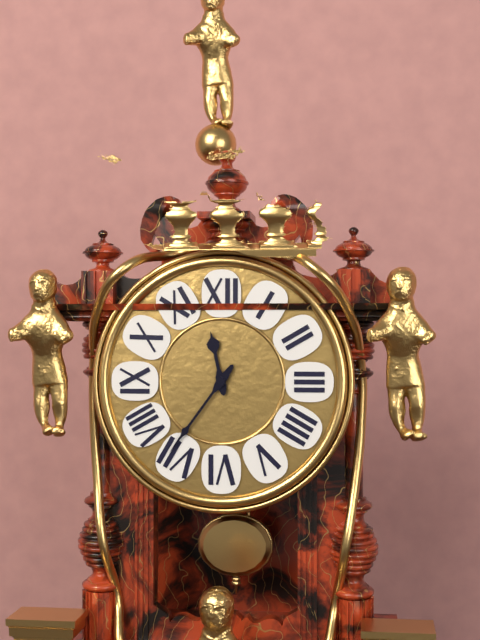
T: 11:36
